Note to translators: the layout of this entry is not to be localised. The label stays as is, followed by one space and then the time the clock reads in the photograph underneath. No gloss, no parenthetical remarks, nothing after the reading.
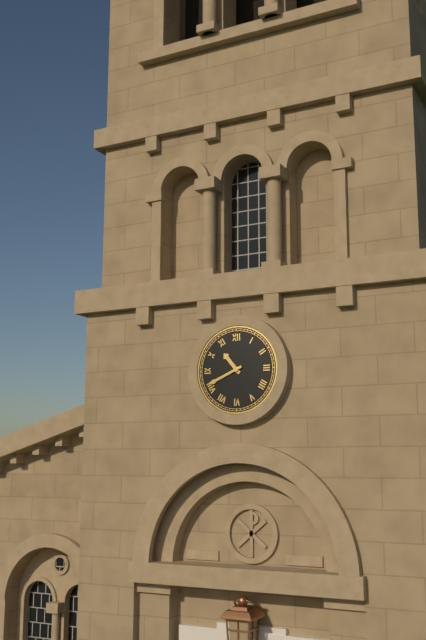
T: 10:41
